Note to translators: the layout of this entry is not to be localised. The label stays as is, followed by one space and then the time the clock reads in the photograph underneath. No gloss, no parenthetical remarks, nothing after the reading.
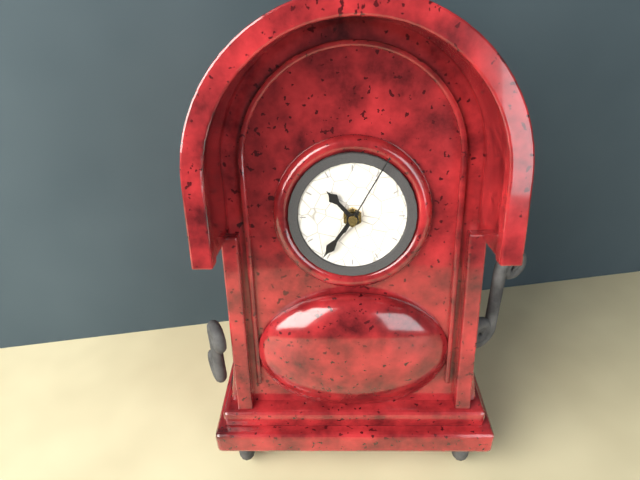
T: 10:36:05
